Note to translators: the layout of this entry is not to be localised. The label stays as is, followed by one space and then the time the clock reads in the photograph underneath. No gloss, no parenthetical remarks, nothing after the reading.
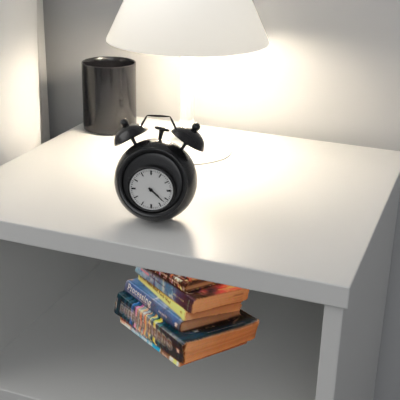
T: 4:22
